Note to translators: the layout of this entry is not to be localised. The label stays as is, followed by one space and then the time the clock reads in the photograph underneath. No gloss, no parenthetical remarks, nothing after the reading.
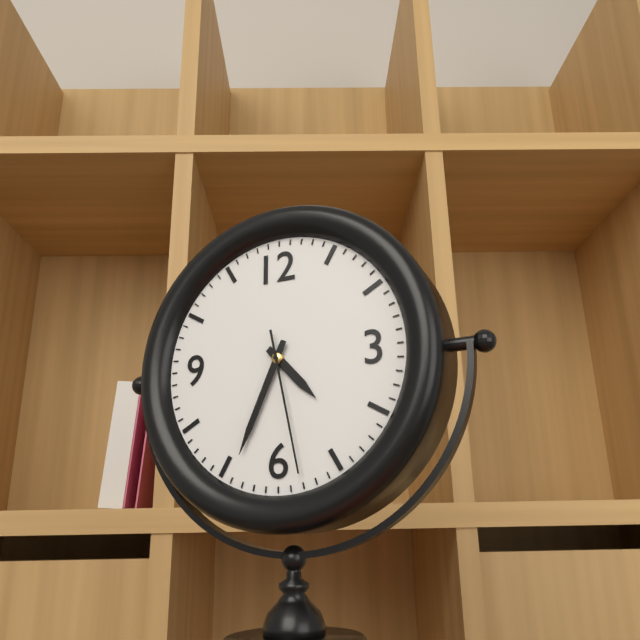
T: 4:34:28
